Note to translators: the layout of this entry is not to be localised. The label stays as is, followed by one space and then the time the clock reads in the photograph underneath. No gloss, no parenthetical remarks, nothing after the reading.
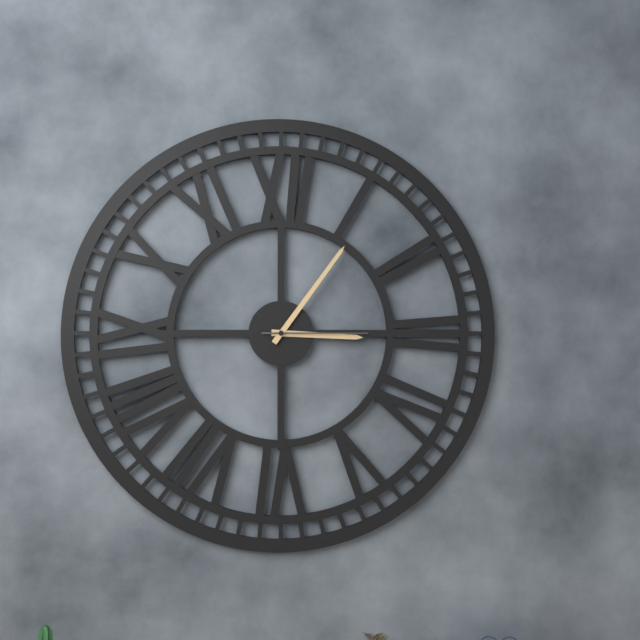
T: 3:06:15
